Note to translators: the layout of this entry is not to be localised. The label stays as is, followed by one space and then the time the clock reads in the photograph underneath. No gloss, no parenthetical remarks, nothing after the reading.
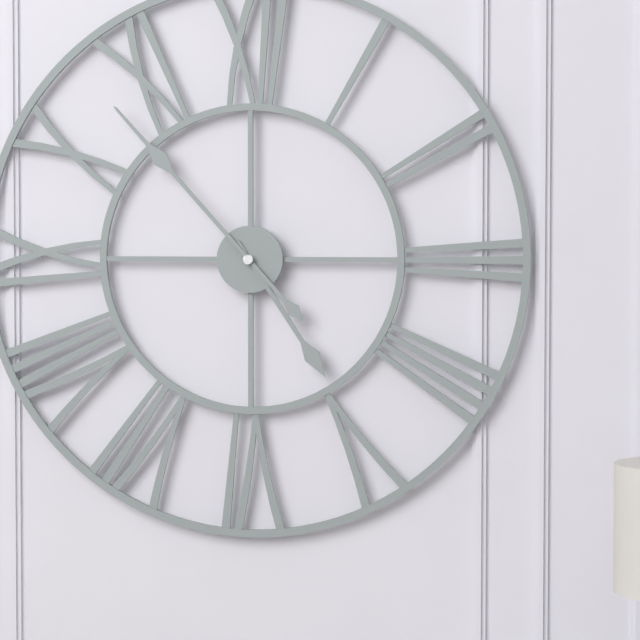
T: 4:53
